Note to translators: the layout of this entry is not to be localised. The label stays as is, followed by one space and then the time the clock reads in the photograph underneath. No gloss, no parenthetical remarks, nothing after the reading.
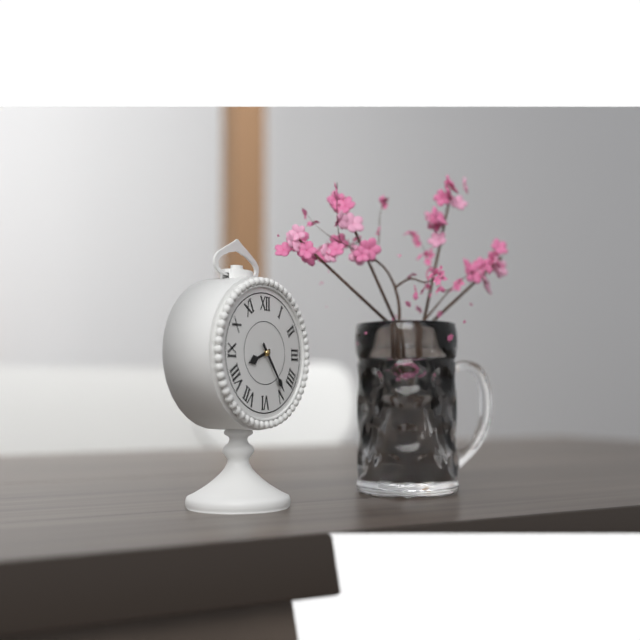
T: 8:23
